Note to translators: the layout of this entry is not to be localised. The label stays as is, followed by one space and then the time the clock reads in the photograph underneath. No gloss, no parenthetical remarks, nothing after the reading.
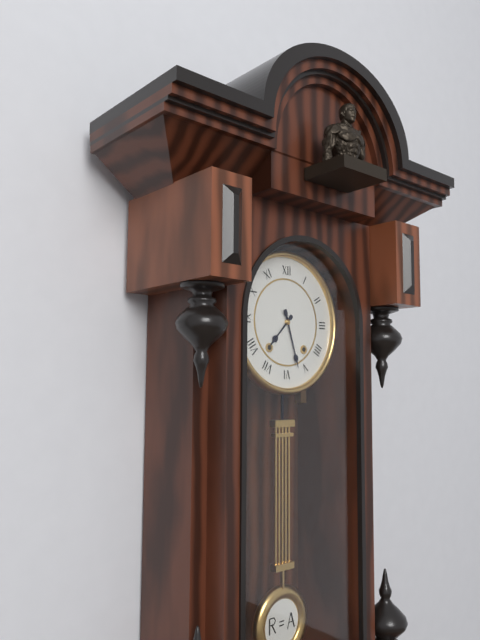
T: 7:27
